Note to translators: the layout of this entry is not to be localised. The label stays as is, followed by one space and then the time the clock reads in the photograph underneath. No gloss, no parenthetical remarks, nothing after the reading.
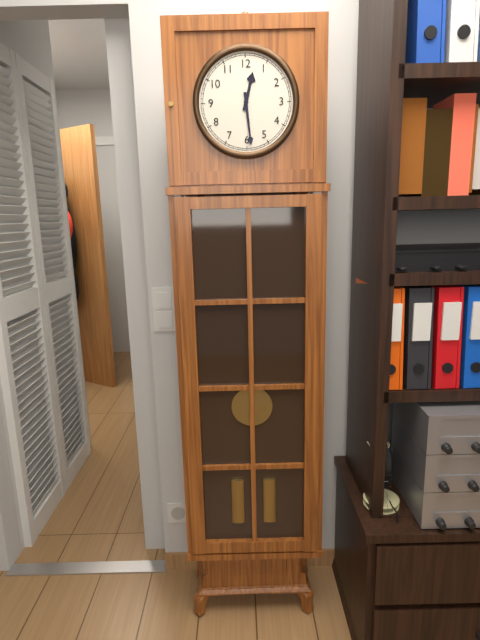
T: 12:29
